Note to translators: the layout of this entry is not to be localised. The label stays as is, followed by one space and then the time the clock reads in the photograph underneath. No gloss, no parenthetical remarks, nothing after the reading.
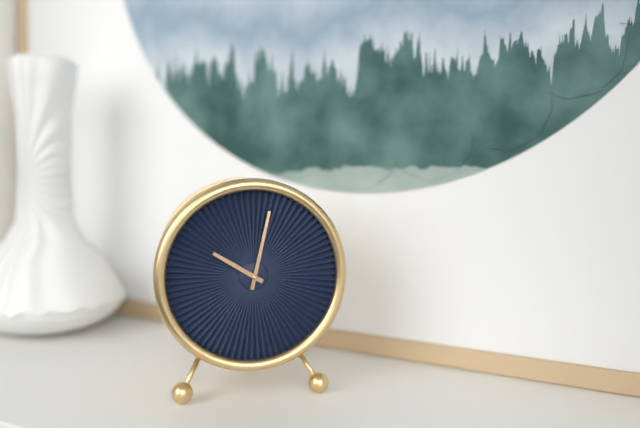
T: 10:02
